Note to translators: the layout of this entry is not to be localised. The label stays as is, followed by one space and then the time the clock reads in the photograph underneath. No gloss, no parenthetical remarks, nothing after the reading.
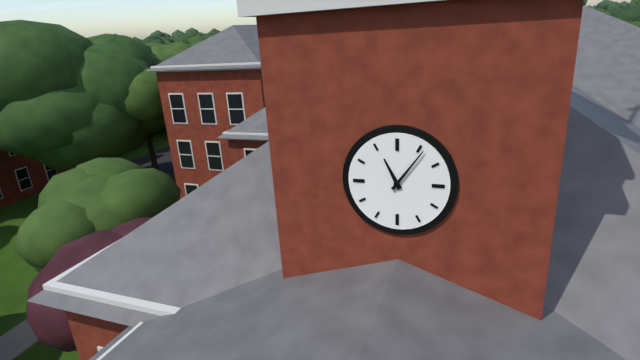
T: 11:06
